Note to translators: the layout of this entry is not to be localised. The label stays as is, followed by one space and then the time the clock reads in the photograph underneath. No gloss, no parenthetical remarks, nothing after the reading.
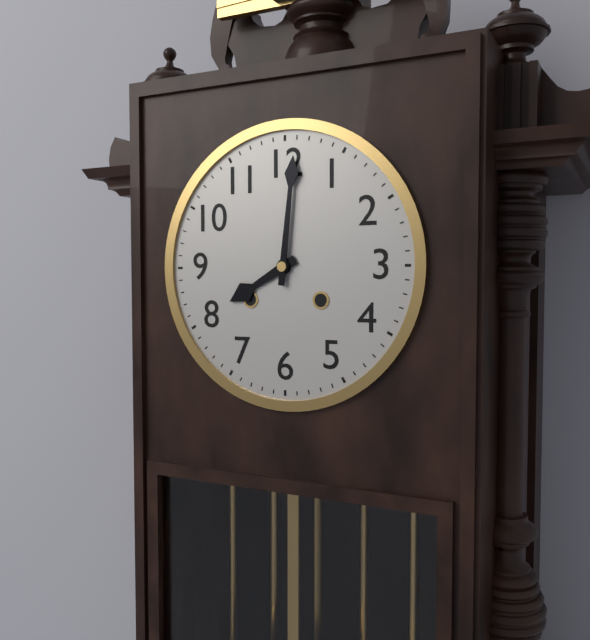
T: 8:01
